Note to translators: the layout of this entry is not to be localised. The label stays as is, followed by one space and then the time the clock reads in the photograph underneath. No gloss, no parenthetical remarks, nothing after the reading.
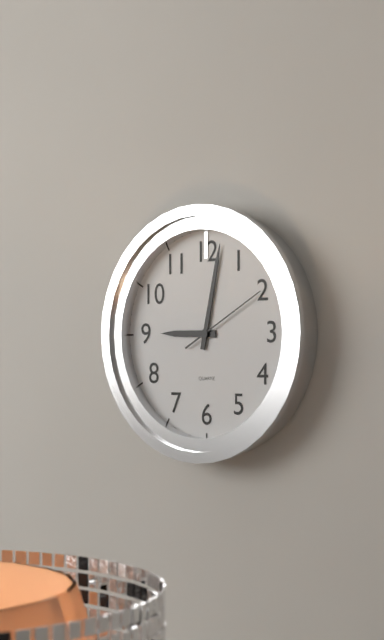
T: 9:02:10
